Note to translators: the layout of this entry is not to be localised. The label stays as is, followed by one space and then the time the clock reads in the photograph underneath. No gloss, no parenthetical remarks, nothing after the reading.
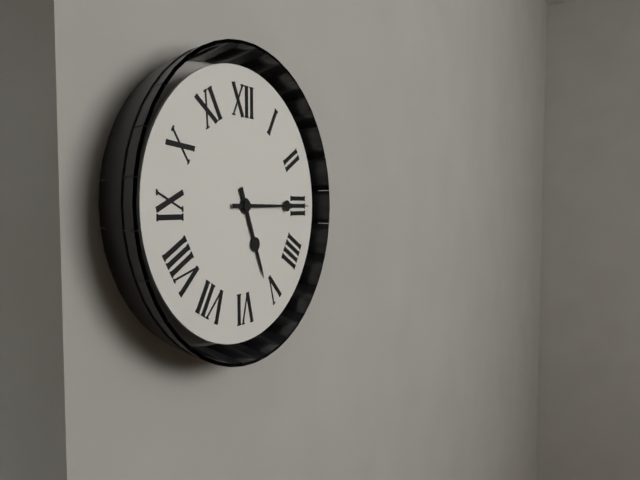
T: 5:15
